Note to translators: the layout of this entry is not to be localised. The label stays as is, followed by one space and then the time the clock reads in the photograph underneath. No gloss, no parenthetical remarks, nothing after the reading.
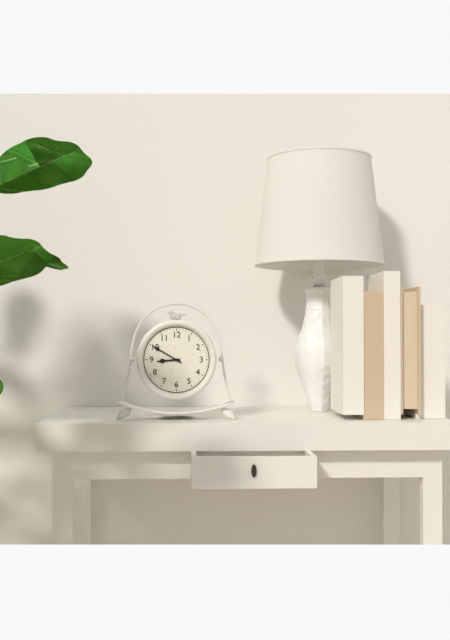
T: 8:50
